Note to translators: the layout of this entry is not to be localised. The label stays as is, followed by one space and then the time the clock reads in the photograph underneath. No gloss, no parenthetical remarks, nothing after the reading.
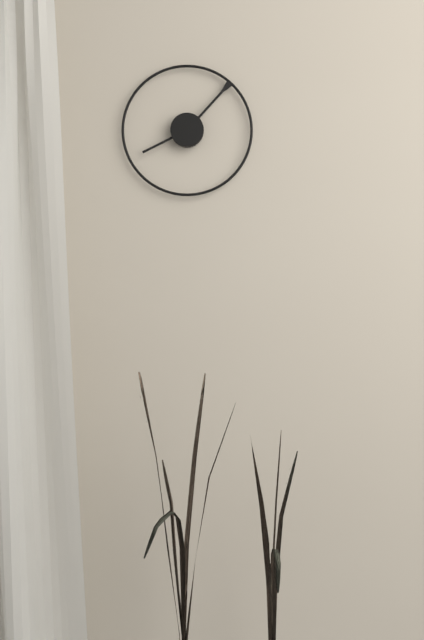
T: 8:07
